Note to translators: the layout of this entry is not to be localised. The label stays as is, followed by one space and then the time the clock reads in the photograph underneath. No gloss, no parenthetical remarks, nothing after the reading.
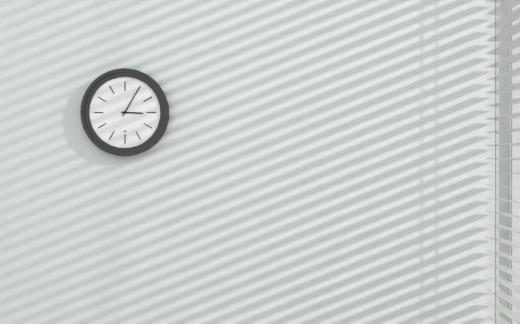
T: 3:05
